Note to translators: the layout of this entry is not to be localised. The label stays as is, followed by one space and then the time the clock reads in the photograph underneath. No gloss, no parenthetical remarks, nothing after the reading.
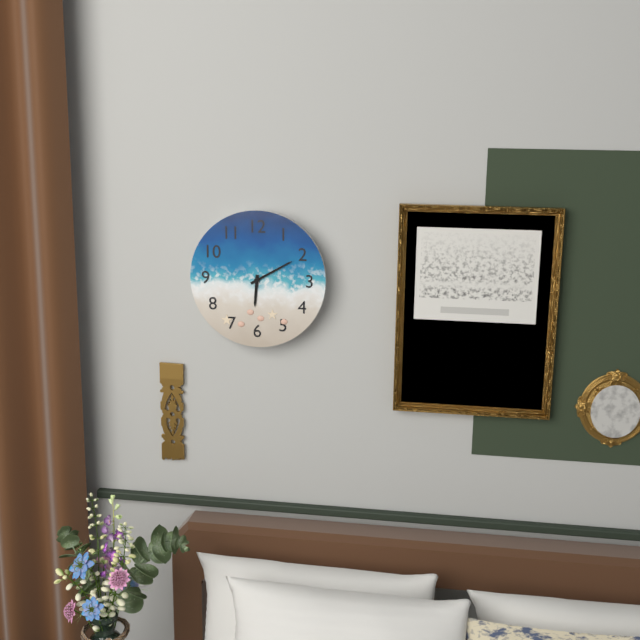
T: 6:10
